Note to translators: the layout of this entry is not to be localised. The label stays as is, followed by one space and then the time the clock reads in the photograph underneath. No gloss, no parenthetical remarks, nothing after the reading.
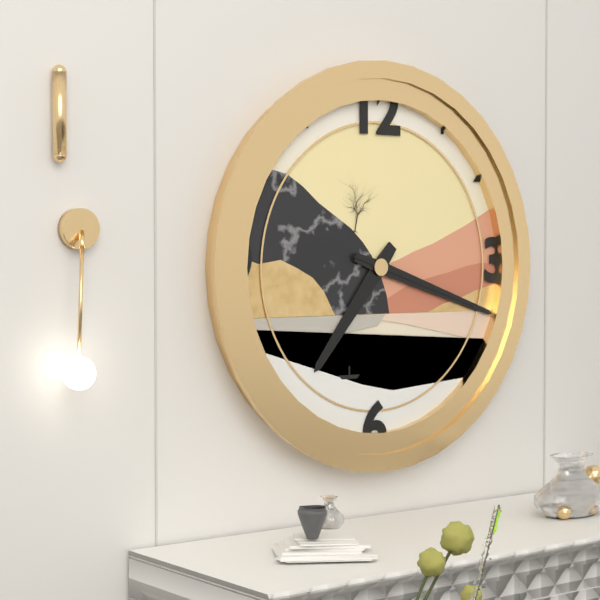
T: 7:18:18
